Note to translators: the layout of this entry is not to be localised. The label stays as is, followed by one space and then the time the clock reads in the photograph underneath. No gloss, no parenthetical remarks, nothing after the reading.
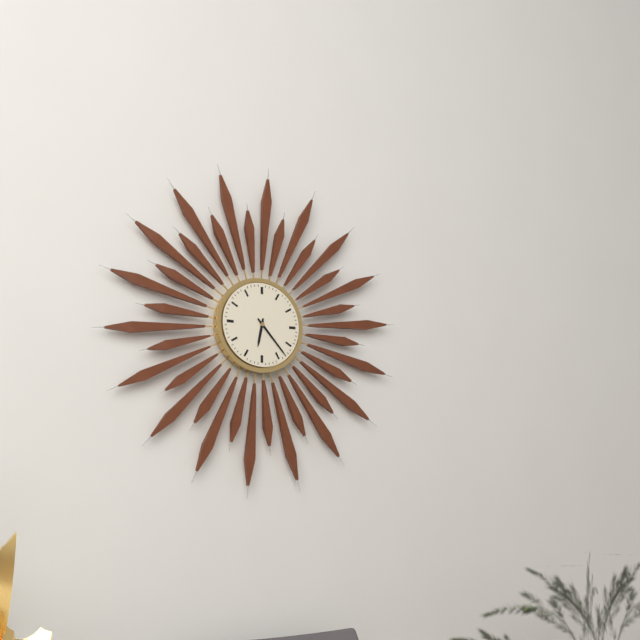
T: 6:23
